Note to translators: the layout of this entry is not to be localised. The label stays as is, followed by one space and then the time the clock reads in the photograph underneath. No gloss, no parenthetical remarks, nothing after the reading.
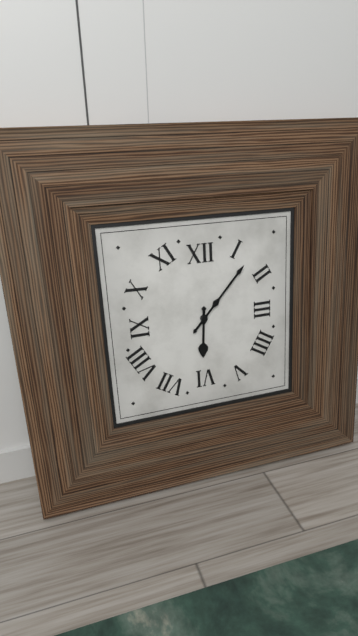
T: 6:07
